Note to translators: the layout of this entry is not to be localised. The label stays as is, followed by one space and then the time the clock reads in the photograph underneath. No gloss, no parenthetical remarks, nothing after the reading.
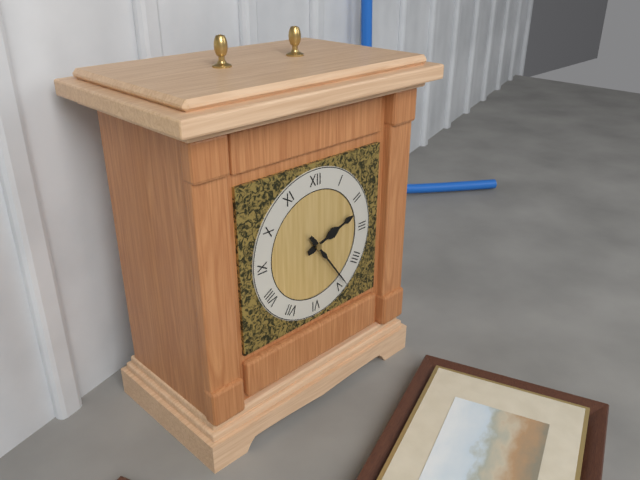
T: 2:24
